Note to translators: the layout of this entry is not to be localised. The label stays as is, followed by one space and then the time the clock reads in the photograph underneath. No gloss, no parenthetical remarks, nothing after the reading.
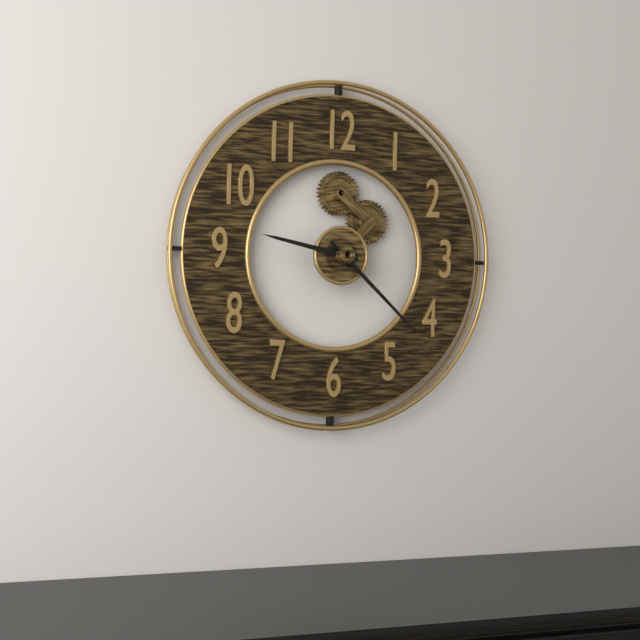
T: 9:22
